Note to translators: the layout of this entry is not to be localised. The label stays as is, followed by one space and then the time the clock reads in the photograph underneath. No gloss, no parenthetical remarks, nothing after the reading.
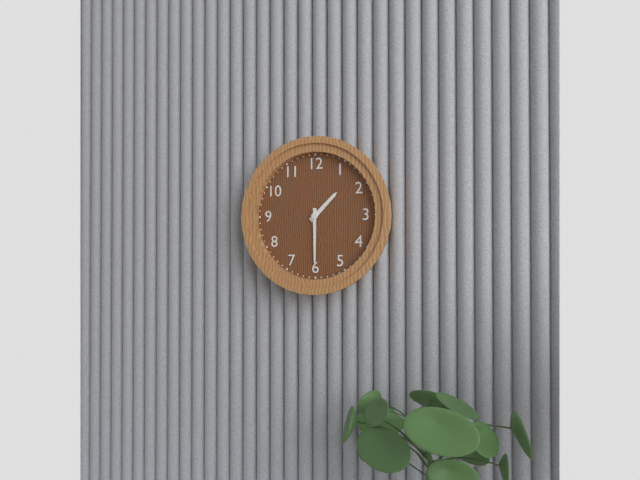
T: 1:30
